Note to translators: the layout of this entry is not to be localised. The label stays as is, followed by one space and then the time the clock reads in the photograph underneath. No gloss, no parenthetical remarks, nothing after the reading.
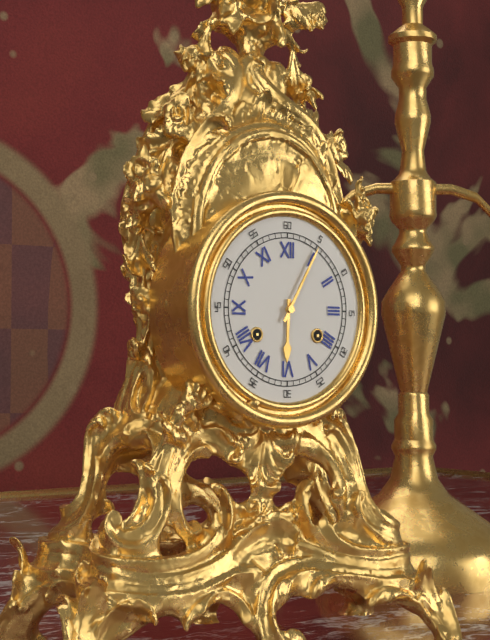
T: 6:05
